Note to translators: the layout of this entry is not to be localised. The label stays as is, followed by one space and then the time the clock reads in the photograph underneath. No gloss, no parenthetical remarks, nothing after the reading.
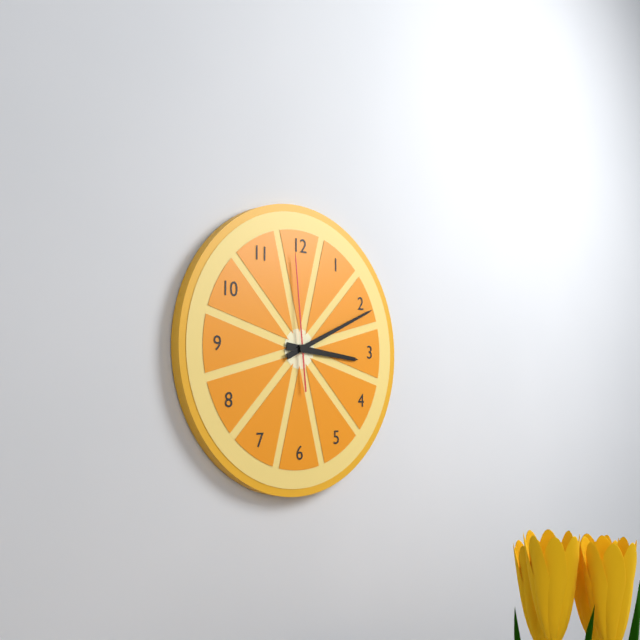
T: 3:11:59
